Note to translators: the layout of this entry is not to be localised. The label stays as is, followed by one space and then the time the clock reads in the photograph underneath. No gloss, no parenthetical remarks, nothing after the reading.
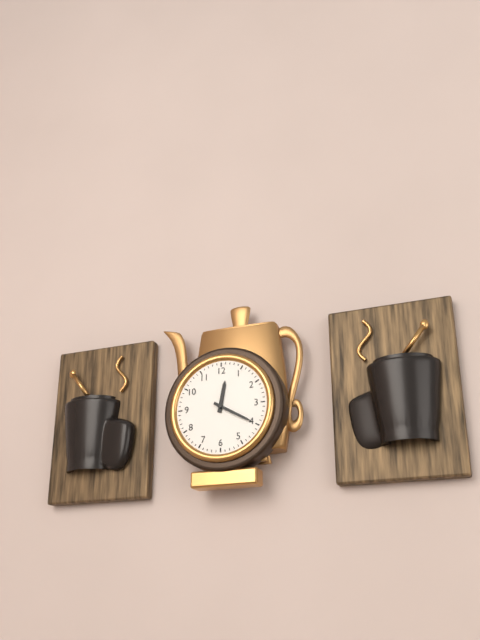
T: 12:20
